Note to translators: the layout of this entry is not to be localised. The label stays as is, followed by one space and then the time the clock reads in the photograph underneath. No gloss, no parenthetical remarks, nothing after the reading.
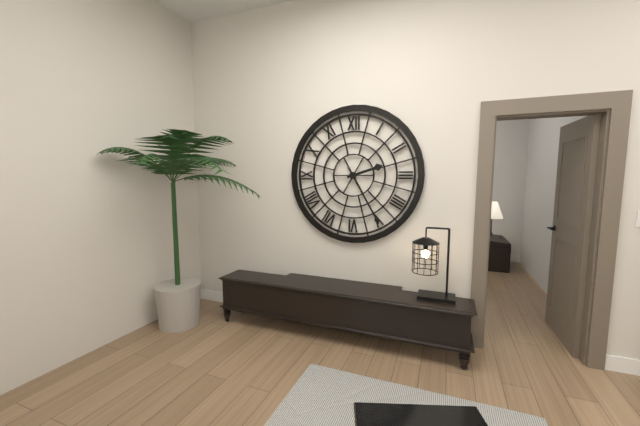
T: 2:25
